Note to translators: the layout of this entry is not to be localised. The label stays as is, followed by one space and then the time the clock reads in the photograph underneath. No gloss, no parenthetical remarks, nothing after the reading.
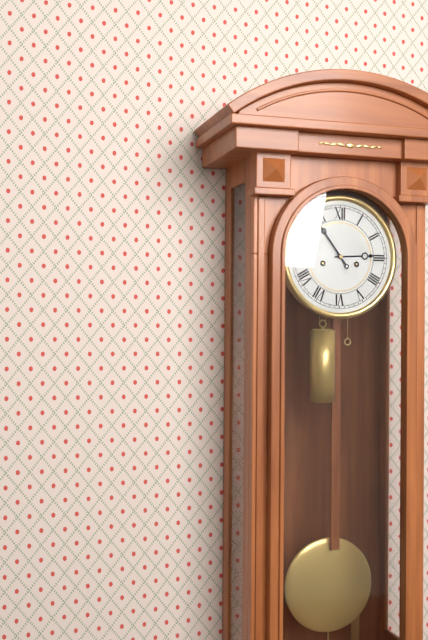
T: 2:54
